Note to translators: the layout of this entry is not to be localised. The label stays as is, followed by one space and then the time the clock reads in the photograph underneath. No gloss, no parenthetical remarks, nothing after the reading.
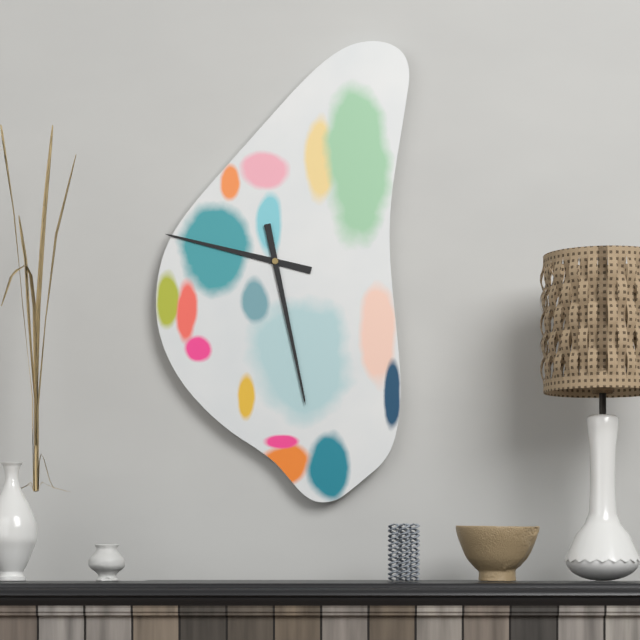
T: 9:28
